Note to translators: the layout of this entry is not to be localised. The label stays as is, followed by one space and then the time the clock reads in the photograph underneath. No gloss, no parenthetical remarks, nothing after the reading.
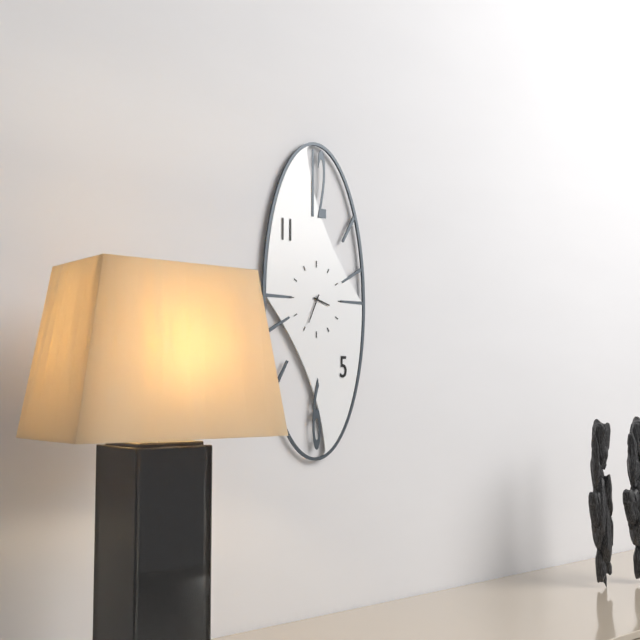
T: 3:34
